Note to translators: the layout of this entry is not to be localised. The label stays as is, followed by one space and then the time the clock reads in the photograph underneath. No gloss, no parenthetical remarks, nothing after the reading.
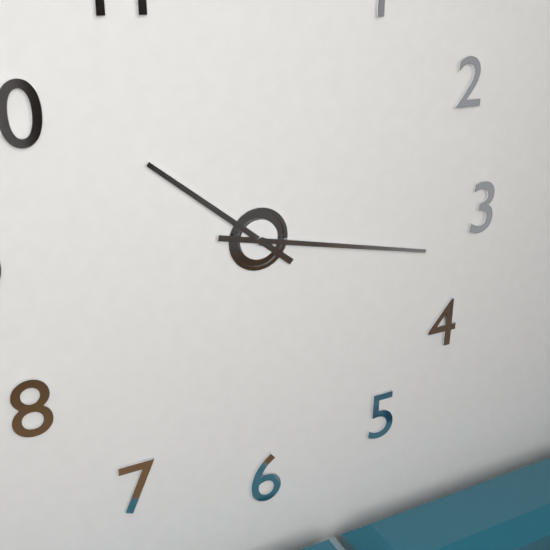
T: 10:17
